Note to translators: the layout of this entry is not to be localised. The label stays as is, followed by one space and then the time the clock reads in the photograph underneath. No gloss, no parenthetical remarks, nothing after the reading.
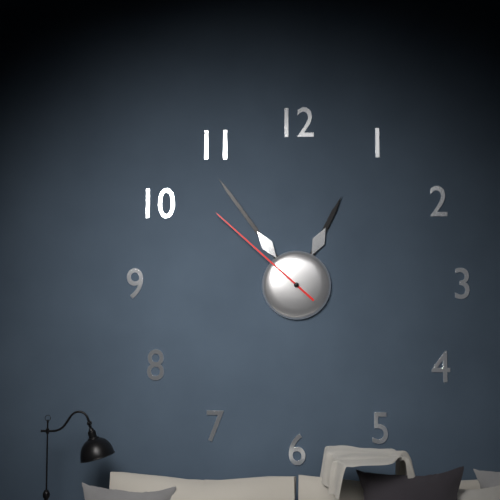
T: 12:54:52
